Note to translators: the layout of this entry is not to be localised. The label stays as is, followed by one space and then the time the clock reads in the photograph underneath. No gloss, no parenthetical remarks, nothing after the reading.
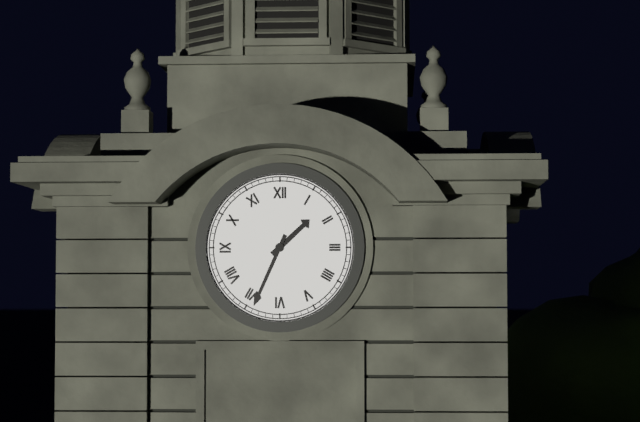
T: 1:34
